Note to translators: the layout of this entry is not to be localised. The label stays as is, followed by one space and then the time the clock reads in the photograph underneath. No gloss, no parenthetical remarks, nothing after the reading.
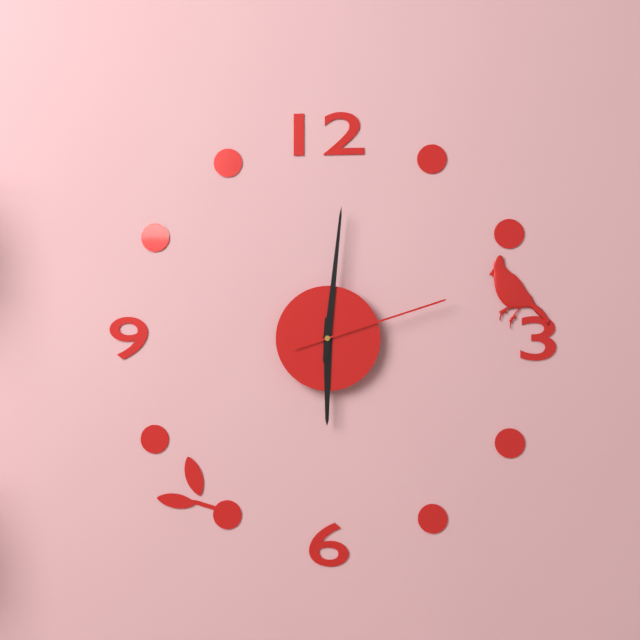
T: 6:01:12
